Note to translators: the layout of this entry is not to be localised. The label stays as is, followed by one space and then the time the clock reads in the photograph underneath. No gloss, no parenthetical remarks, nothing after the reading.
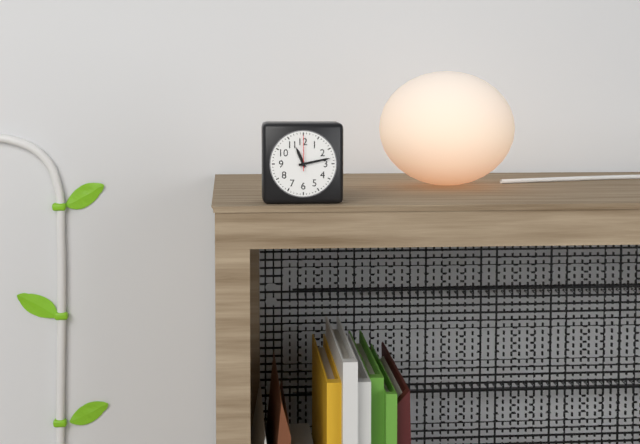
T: 11:13
